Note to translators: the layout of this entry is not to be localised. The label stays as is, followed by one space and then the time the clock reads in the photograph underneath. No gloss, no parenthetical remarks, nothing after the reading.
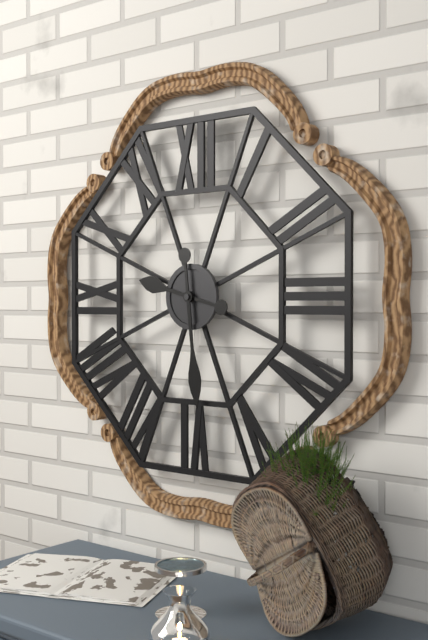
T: 9:29
